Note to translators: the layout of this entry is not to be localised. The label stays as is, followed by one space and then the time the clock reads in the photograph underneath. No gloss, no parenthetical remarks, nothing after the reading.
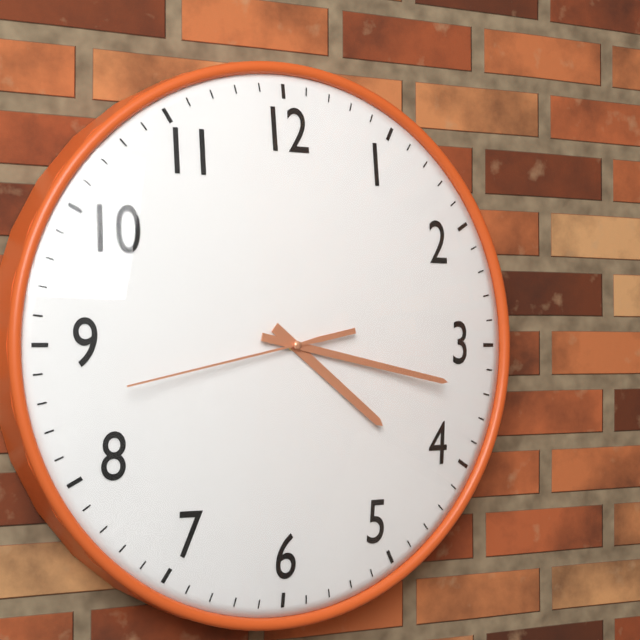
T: 4:17:43
